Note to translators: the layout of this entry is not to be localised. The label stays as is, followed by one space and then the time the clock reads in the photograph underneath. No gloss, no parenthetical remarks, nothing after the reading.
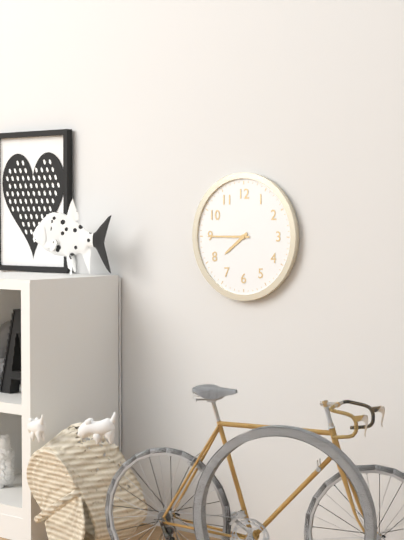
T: 7:45
